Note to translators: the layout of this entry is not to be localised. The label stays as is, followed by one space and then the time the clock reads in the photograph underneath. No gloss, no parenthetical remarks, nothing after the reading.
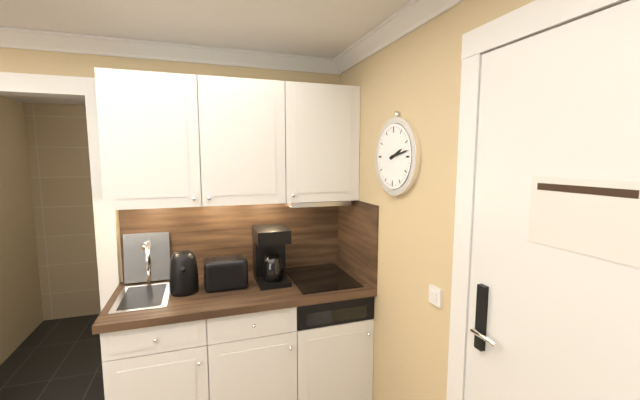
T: 2:13
